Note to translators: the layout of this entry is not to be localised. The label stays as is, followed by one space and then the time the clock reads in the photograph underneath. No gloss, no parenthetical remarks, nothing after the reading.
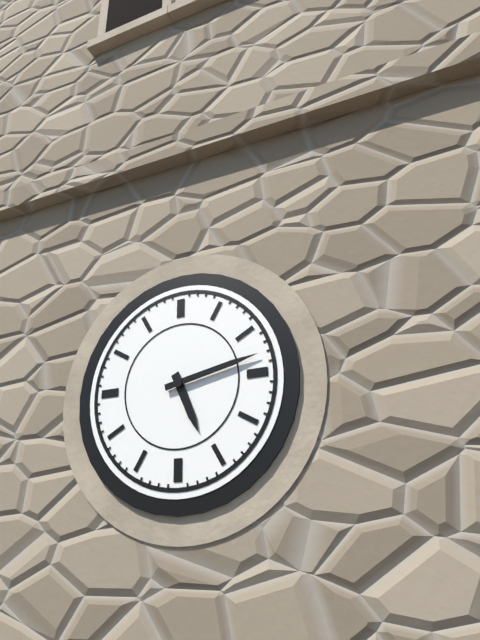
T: 5:13
